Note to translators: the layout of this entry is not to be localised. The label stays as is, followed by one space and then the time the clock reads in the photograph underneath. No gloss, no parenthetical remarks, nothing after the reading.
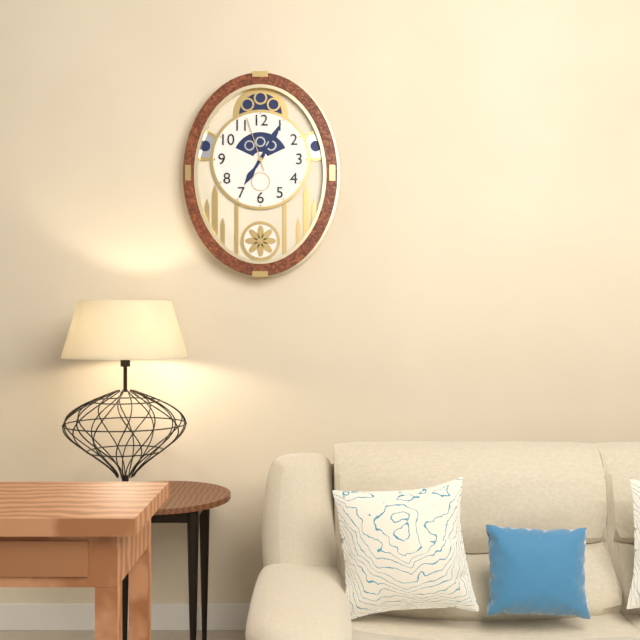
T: 7:05:57
